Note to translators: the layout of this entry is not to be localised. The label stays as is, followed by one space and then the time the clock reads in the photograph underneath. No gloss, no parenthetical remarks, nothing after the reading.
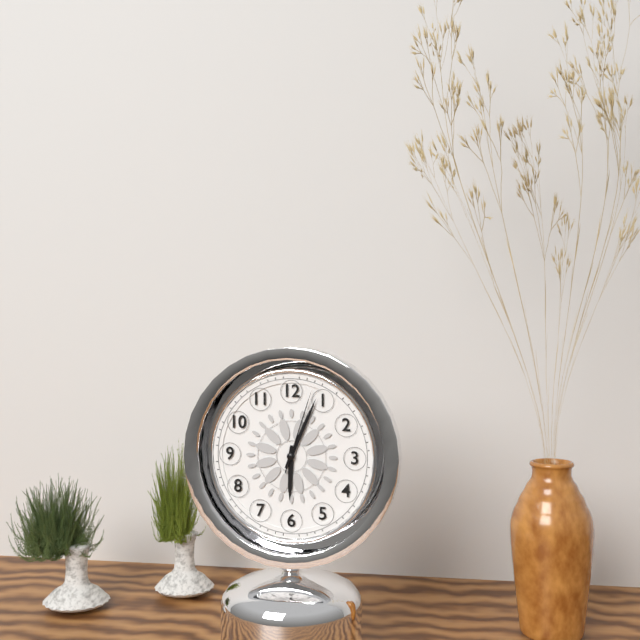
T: 6:04:03
